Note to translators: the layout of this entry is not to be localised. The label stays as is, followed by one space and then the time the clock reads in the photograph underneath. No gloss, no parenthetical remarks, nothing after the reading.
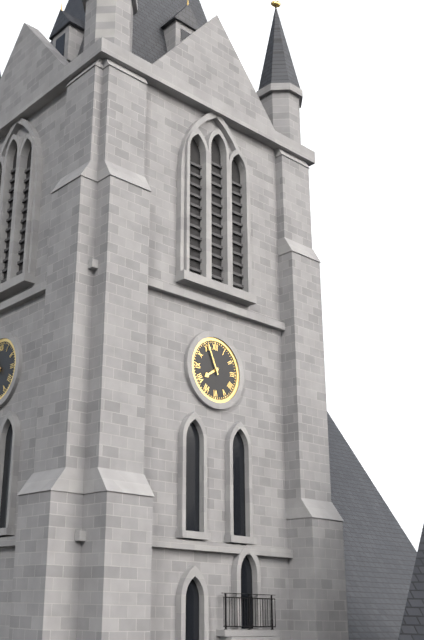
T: 7:56
